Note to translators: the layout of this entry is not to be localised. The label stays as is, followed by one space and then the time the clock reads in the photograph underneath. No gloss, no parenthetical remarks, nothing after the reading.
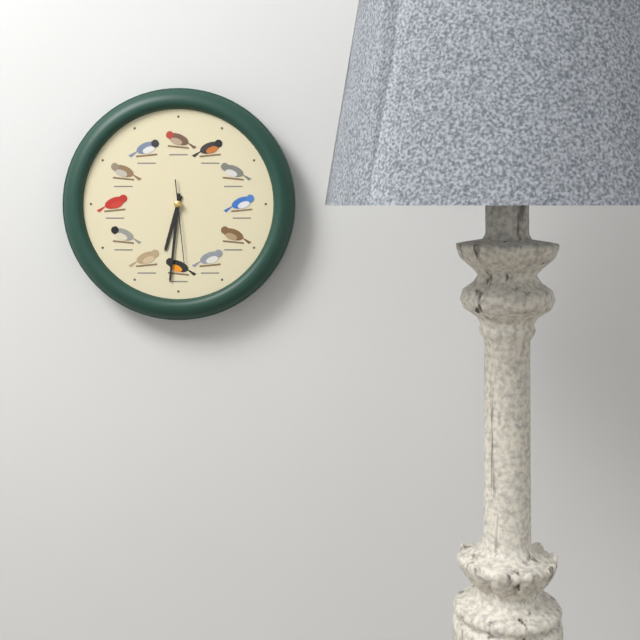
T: 6:31:29
